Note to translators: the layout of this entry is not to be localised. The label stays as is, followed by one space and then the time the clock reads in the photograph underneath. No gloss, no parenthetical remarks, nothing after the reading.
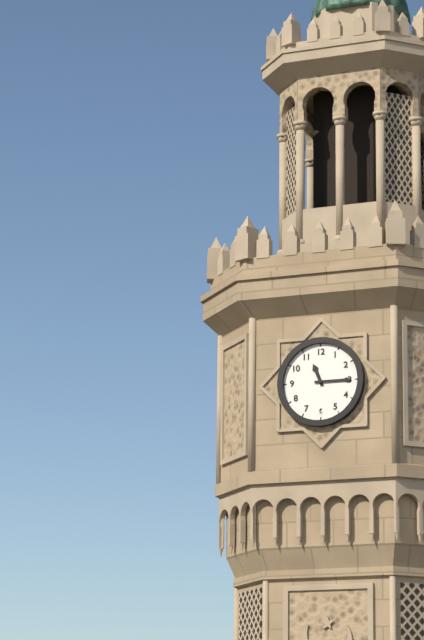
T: 11:15
